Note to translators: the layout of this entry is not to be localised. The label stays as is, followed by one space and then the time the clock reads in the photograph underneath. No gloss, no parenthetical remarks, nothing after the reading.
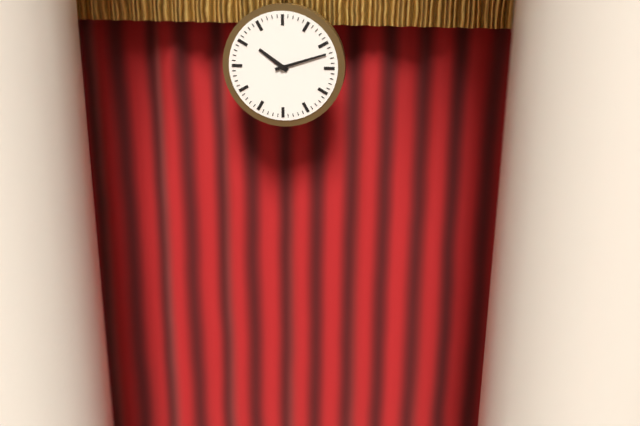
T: 10:12
